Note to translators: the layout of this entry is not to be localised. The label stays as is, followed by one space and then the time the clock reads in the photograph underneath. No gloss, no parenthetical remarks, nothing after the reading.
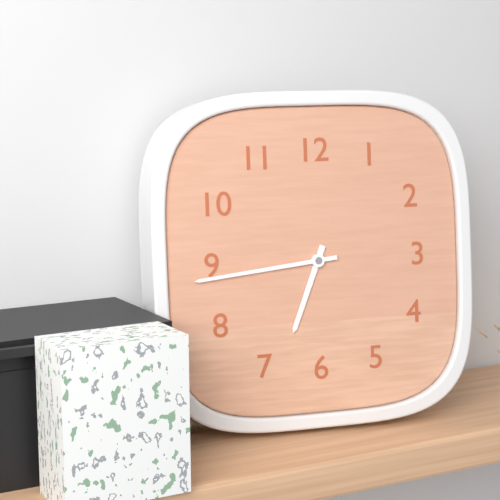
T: 6:44
